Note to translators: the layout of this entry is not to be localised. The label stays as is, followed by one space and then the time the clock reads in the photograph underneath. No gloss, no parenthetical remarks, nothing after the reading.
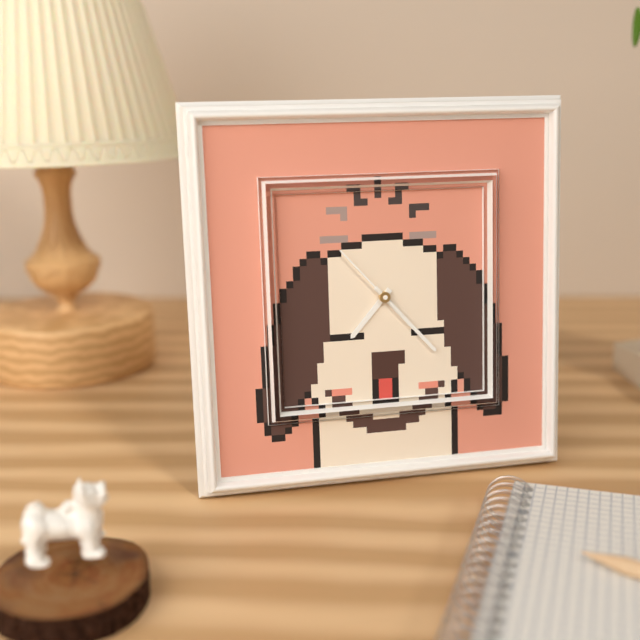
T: 7:23:53
